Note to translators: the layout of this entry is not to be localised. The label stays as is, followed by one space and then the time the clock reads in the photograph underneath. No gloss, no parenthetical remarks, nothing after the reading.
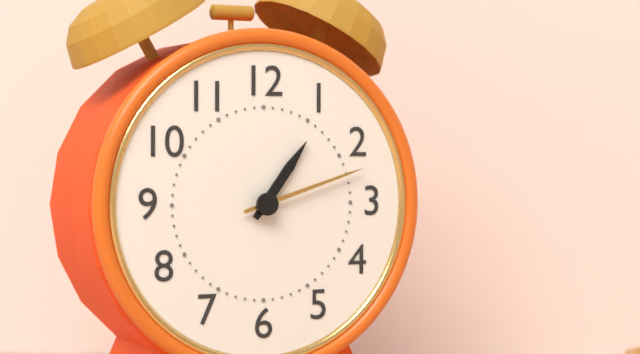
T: 1:12
